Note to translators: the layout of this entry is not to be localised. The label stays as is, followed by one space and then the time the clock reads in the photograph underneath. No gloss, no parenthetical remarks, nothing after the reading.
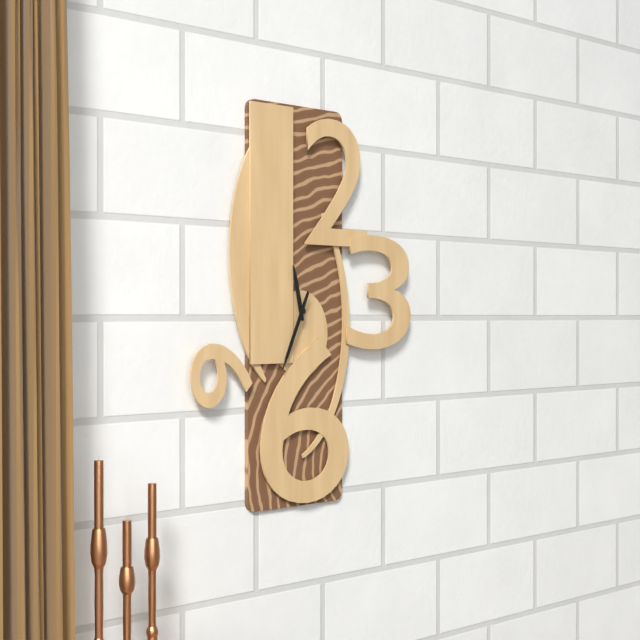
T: 11:34
